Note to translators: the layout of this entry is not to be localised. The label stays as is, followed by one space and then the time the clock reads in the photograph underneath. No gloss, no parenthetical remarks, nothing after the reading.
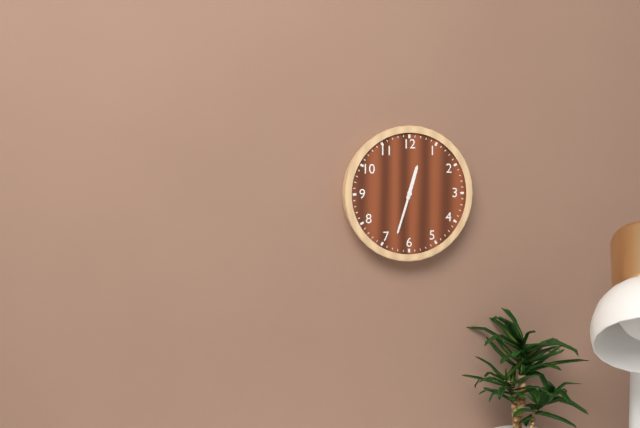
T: 12:33
